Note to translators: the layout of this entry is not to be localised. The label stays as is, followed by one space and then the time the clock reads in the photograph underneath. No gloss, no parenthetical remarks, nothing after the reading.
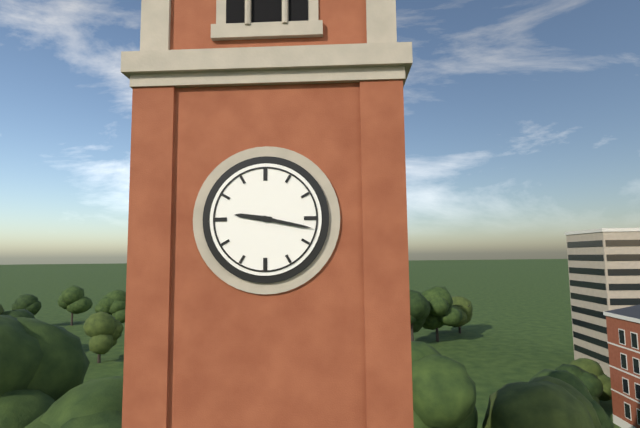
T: 9:17
